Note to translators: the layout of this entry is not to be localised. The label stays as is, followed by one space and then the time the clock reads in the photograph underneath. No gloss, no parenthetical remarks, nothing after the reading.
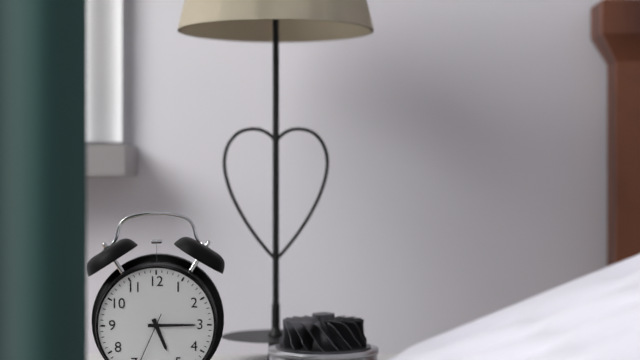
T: 5:15
